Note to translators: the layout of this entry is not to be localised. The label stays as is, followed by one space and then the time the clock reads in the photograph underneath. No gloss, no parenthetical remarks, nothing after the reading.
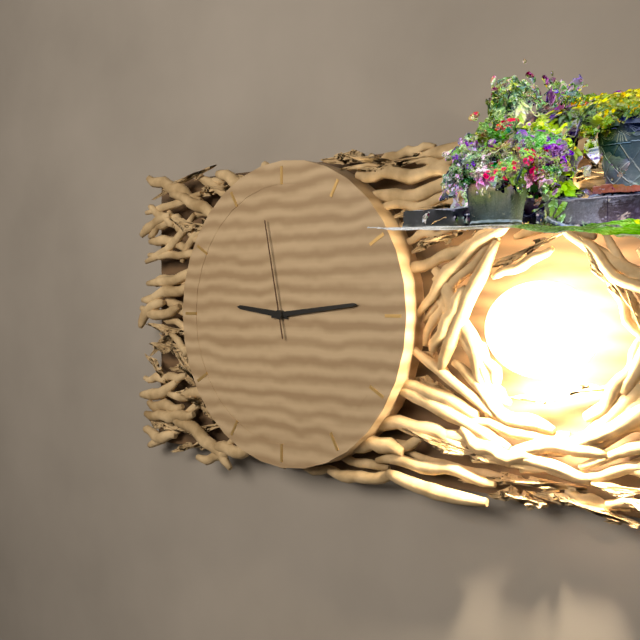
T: 9:14:58
